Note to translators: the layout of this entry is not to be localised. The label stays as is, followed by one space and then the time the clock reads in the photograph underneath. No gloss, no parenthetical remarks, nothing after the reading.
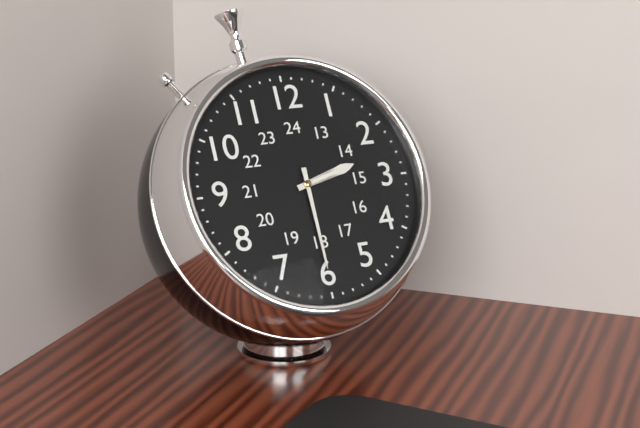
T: 2:30
